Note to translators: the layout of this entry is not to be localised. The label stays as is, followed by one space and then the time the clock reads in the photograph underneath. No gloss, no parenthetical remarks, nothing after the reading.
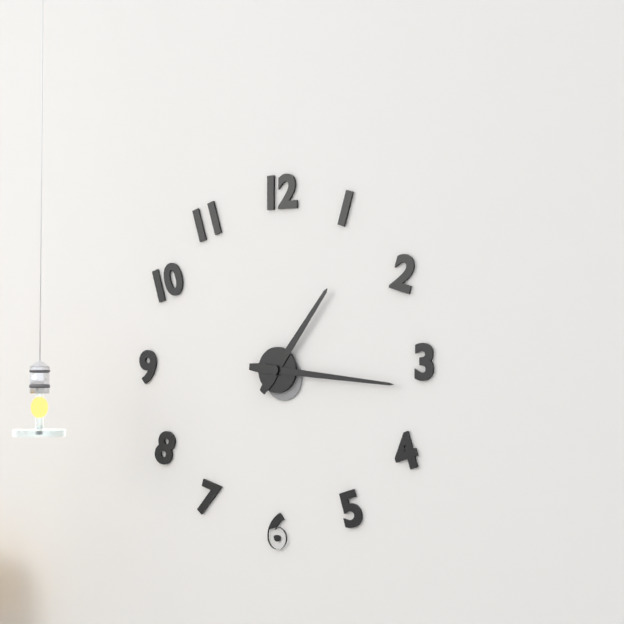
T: 1:16
